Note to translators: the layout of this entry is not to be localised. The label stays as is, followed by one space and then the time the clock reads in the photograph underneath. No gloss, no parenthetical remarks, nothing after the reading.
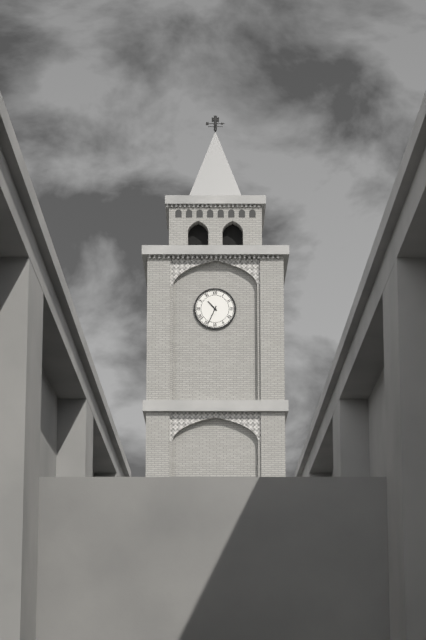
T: 10:34
